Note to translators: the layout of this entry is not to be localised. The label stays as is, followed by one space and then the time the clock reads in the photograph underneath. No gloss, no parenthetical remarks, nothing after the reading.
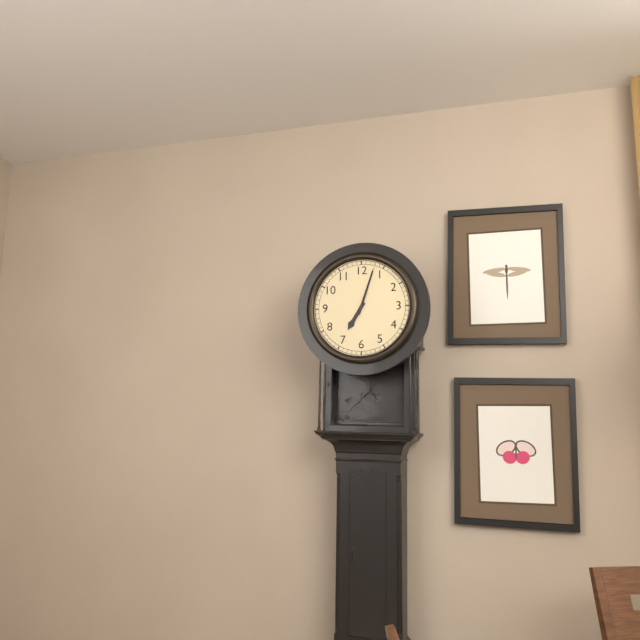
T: 7:03
